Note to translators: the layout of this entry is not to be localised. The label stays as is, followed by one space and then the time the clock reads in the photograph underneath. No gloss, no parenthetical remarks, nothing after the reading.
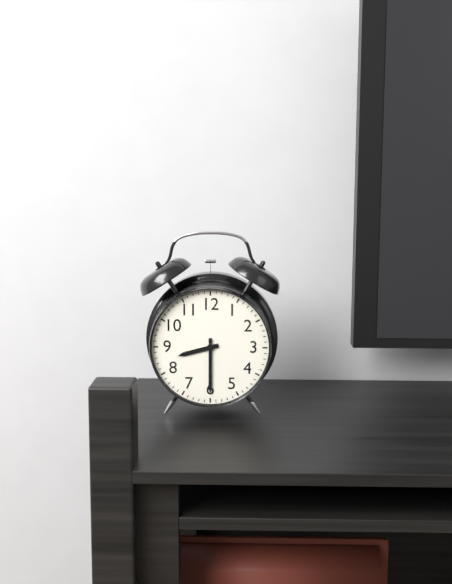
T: 8:30
